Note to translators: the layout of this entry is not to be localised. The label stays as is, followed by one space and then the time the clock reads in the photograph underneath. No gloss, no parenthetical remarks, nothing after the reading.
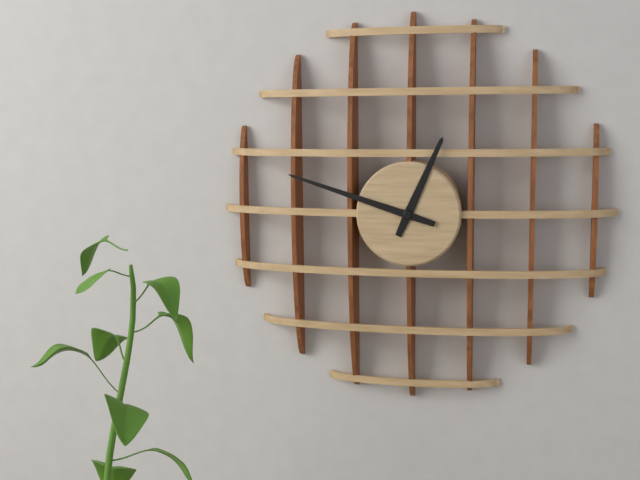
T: 12:48
